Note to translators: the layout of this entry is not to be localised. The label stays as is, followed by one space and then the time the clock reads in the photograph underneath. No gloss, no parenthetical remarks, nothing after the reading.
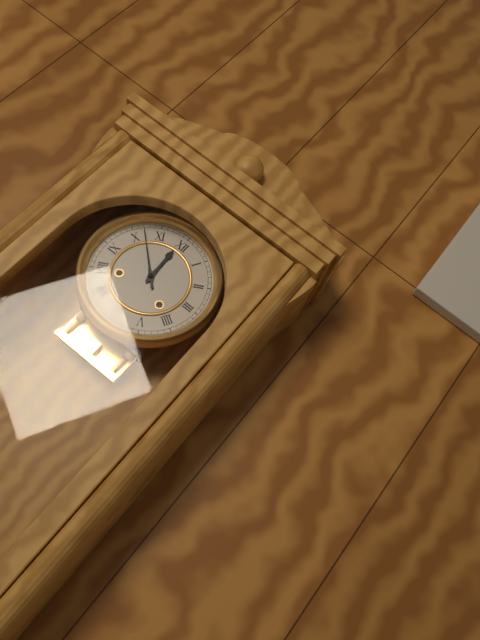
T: 11:52
